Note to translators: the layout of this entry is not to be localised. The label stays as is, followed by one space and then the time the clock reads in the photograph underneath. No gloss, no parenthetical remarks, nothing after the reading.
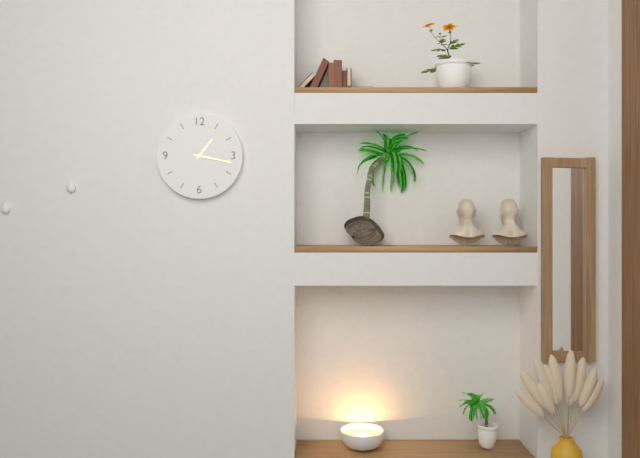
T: 1:17
